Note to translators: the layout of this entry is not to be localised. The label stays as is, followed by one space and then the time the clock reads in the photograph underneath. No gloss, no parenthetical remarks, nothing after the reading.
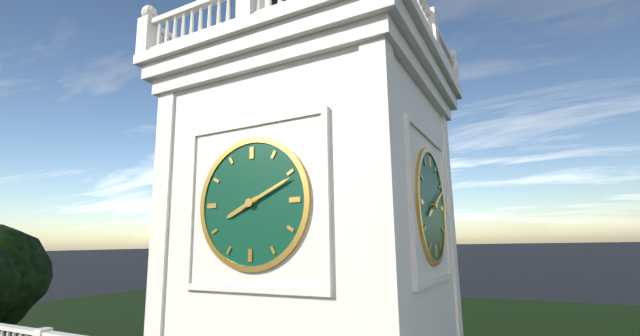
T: 8:11
